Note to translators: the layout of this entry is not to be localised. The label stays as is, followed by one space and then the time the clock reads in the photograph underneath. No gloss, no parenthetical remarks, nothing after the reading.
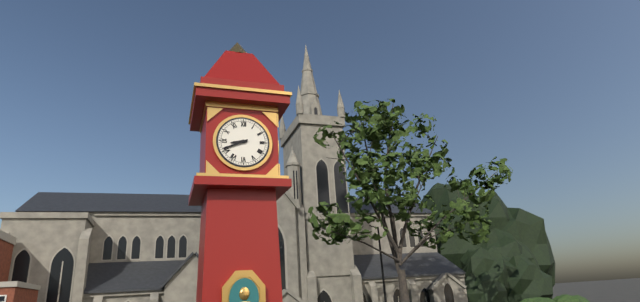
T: 8:41
